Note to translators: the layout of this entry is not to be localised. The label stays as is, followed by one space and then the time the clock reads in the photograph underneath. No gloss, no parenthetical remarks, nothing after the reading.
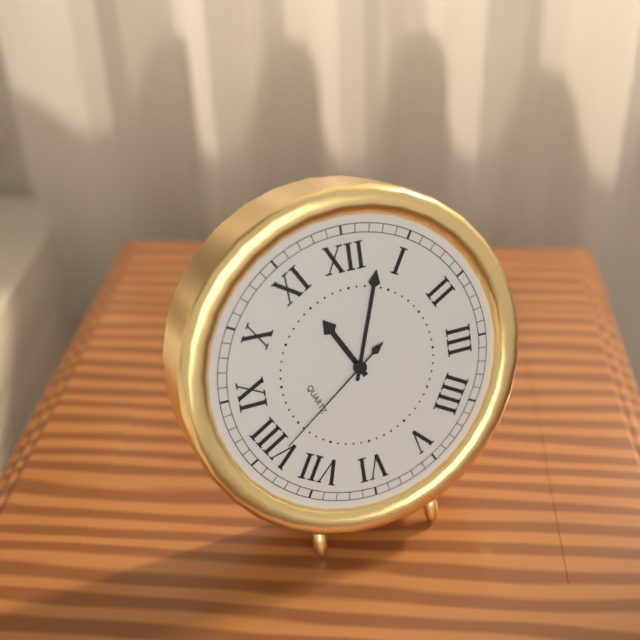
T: 11:03:39
